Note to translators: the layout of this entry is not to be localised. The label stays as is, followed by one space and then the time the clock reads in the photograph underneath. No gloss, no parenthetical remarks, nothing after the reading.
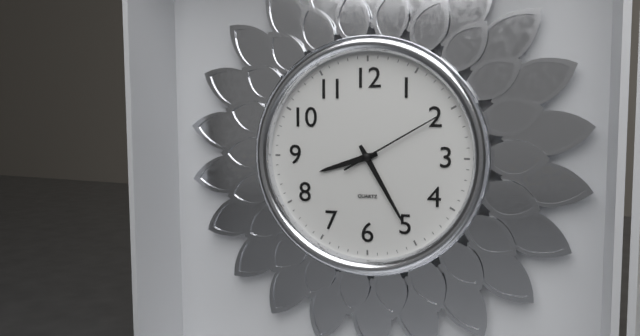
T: 8:25:10
